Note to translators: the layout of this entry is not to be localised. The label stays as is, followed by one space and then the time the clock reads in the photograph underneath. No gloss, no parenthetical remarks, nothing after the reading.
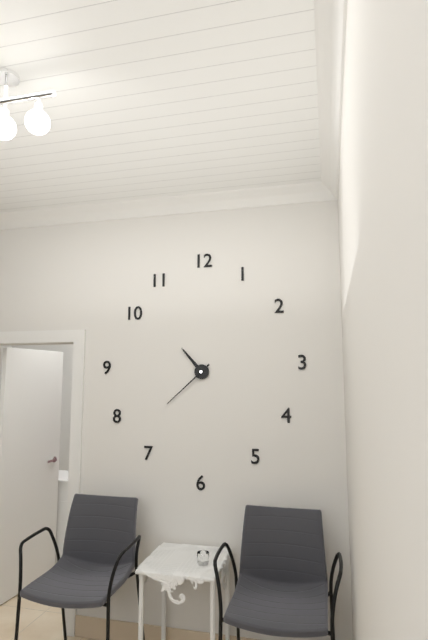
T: 10:38
